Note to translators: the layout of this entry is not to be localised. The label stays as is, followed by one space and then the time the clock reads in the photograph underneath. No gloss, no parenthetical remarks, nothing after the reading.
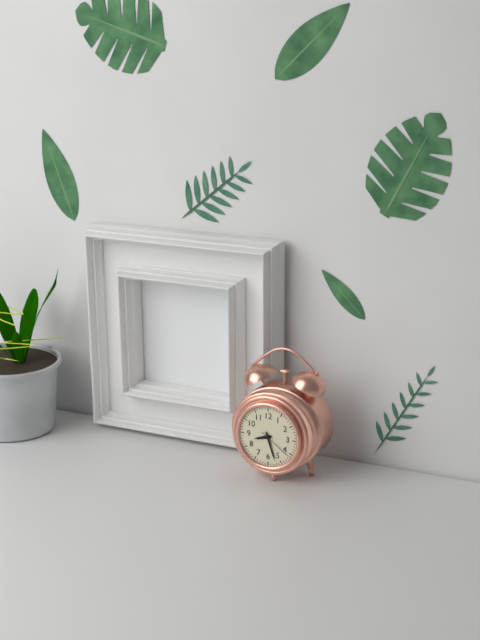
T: 8:27
